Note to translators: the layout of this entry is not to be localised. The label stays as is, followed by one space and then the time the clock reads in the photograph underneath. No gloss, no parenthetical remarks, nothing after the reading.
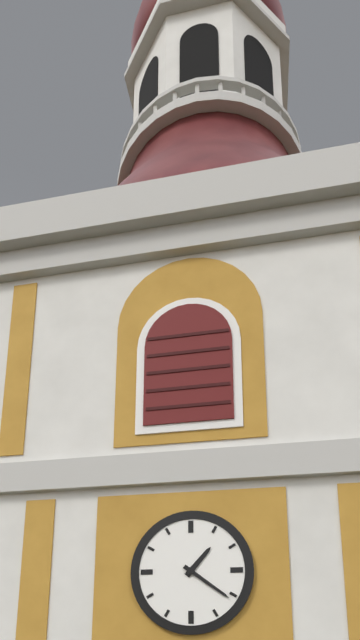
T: 1:21
